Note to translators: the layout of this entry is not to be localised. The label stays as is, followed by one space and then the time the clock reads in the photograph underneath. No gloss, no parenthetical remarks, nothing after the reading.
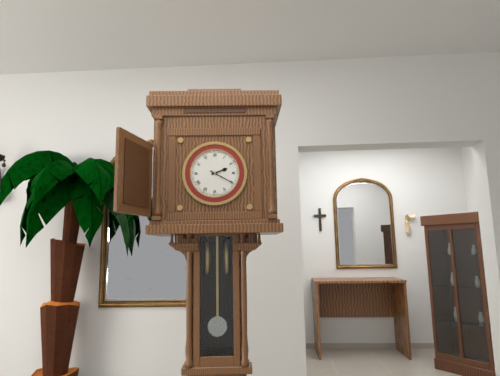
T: 2:20
